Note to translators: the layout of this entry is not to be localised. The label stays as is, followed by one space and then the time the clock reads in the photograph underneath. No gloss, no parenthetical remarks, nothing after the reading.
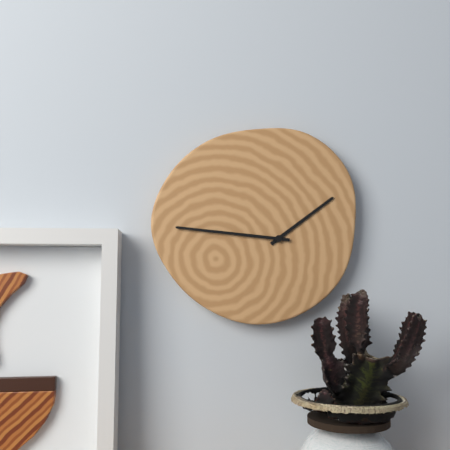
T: 1:46
